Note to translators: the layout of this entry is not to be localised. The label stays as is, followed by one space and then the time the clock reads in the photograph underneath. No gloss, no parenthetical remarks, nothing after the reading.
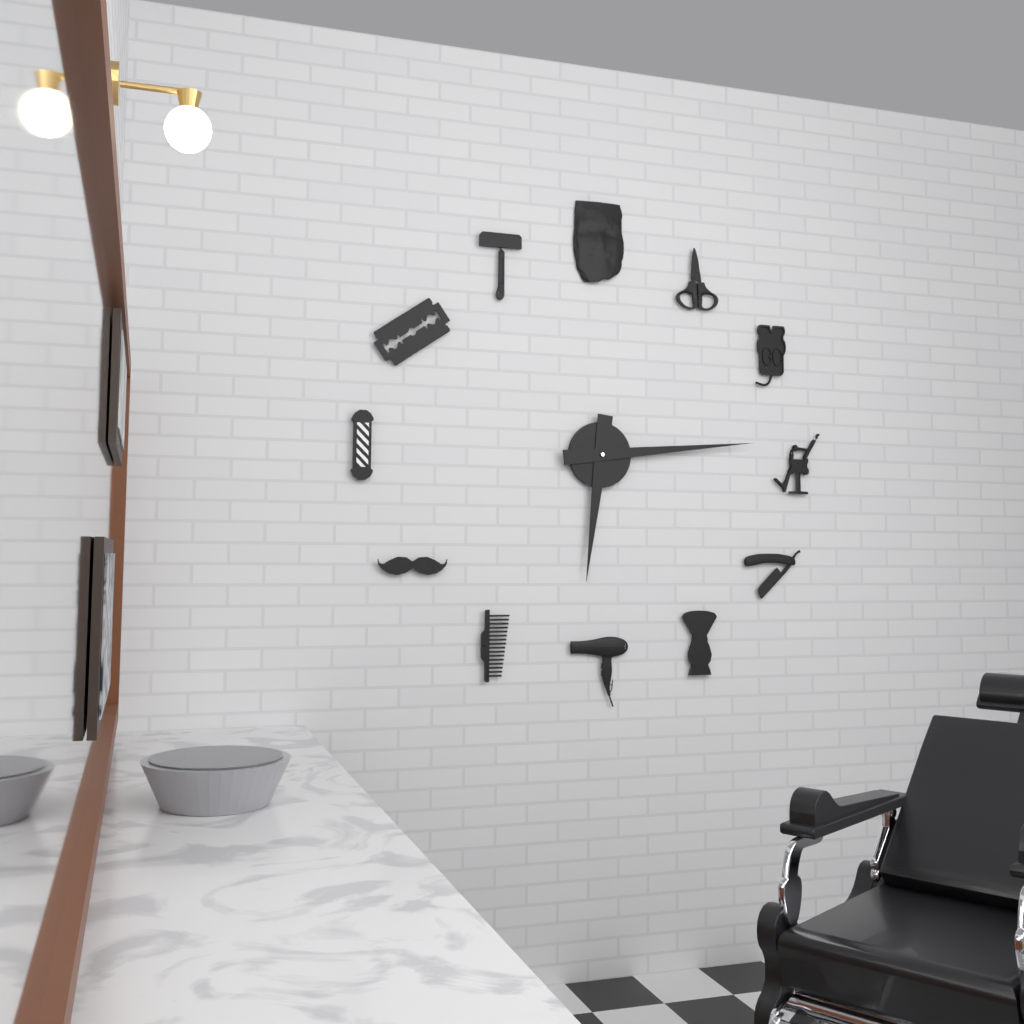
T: 6:14
